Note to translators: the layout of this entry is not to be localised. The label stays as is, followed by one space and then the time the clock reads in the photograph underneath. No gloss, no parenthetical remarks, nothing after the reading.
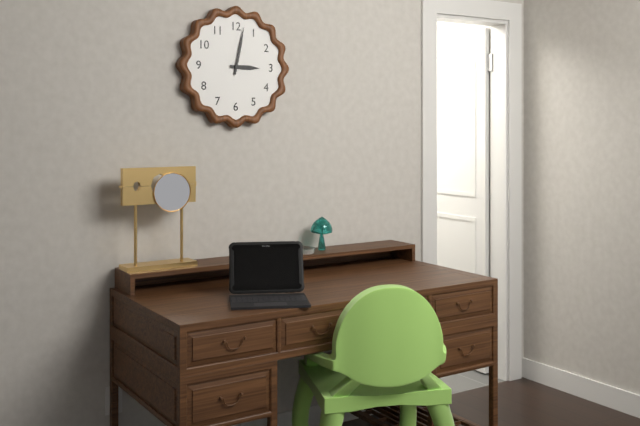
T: 3:02
